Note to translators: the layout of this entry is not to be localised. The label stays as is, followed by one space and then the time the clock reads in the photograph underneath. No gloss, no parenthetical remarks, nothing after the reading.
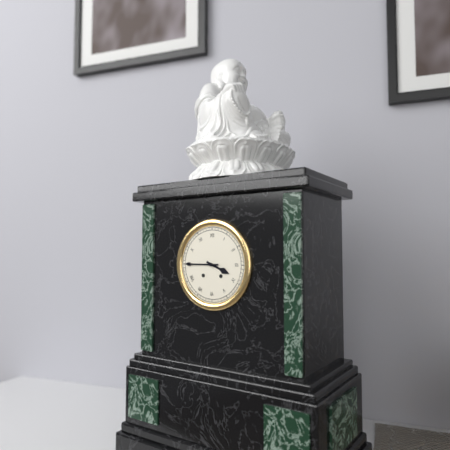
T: 3:45
